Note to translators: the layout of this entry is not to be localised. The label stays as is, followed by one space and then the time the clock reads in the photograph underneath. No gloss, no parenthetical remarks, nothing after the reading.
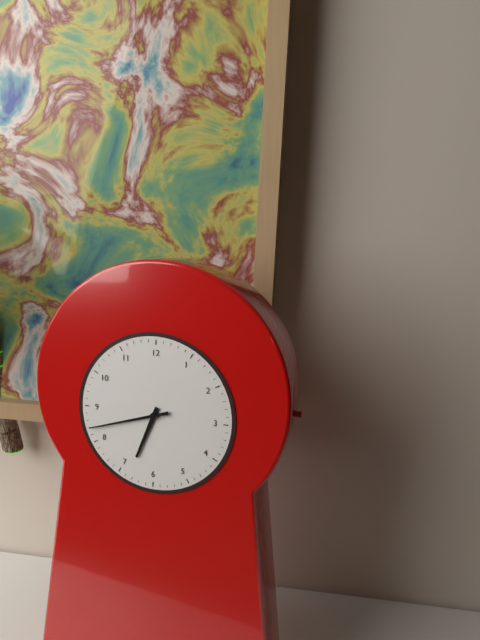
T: 6:42
